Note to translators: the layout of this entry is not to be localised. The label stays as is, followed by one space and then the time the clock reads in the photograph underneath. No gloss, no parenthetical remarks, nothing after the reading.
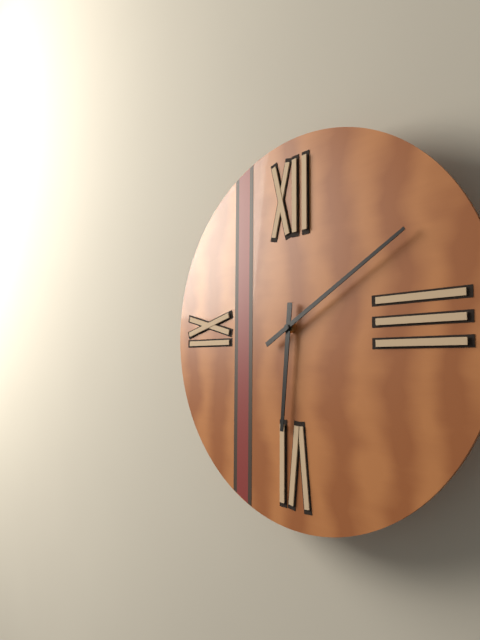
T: 6:10
